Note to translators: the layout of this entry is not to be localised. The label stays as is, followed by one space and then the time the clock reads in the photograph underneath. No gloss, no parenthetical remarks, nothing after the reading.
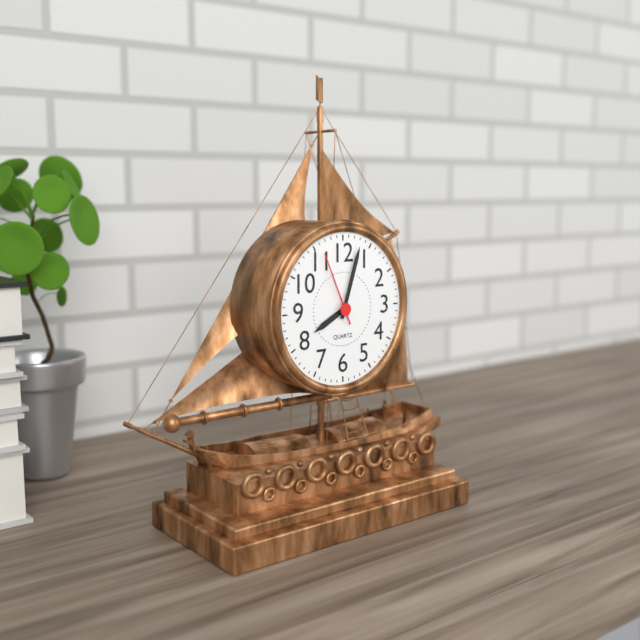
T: 8:03:56
